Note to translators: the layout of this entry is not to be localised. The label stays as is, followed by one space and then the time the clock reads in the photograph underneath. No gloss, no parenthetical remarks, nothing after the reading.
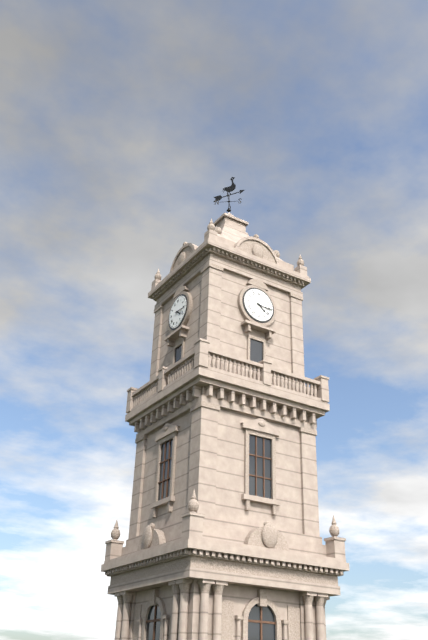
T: 4:16
